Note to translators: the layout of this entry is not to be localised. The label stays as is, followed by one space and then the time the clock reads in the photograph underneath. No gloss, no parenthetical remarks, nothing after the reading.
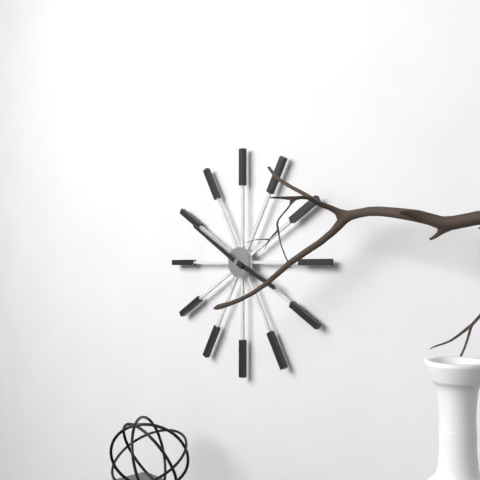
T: 3:50
